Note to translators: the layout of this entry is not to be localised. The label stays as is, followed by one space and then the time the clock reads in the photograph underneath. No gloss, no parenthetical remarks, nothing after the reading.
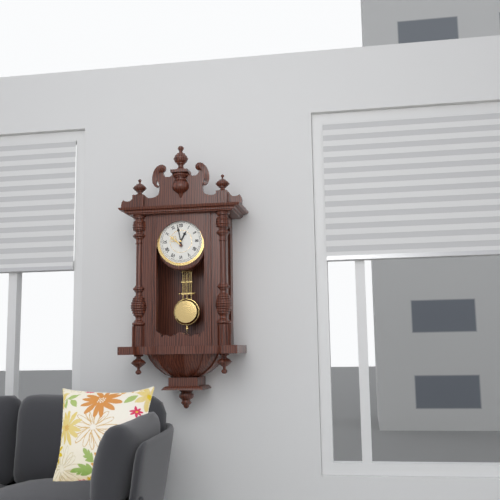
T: 12:58
